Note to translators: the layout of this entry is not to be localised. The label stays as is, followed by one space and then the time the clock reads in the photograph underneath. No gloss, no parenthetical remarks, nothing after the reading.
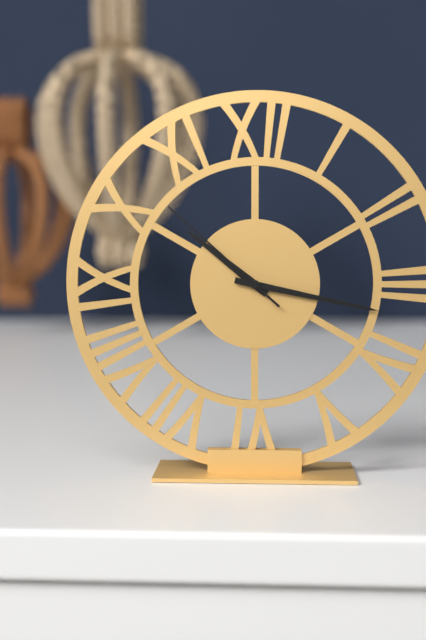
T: 10:17:52
